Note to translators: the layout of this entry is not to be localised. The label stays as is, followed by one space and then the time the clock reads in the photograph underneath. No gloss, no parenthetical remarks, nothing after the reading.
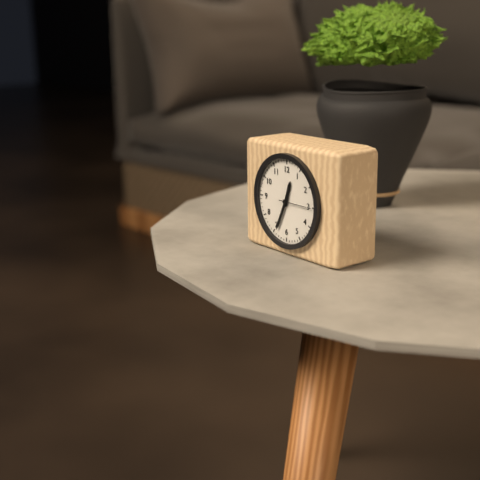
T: 12:34
